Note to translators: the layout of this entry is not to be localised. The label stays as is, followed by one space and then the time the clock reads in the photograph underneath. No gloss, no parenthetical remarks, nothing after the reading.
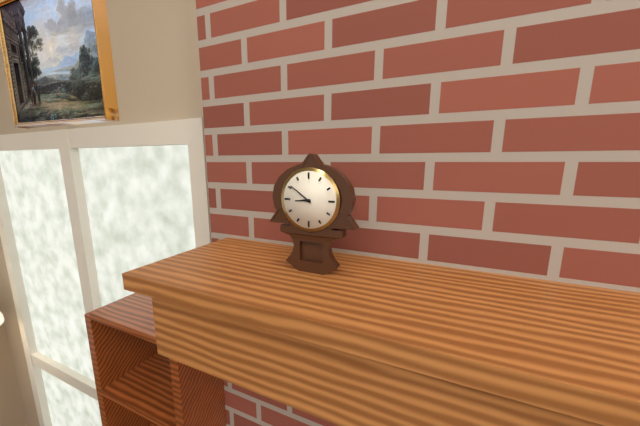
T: 8:51
